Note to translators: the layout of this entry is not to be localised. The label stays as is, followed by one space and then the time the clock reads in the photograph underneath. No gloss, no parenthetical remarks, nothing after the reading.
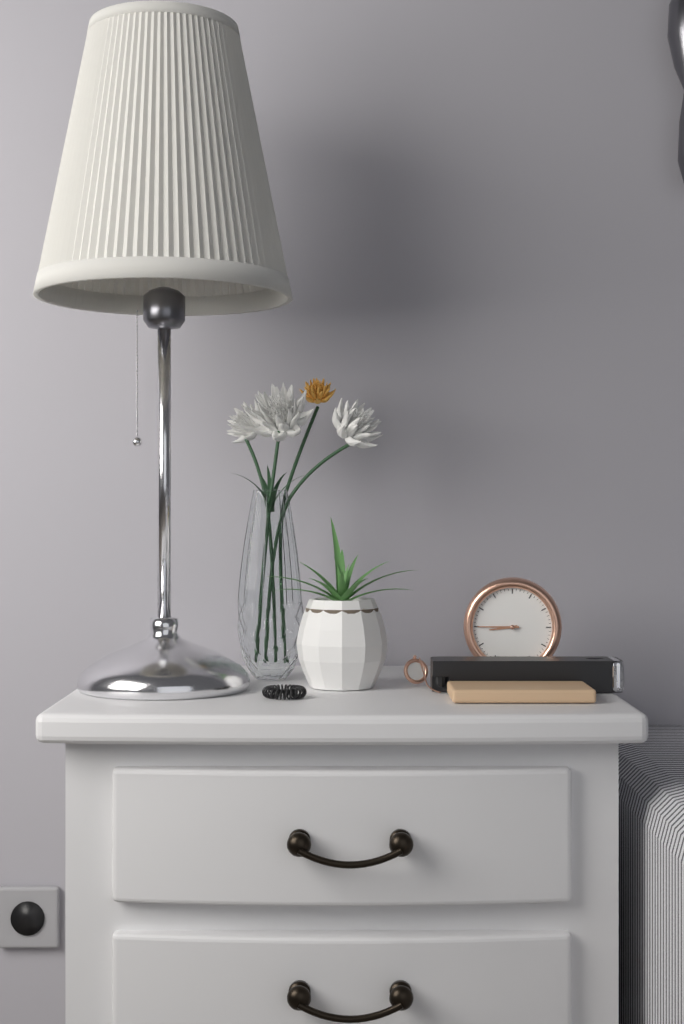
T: 8:45
